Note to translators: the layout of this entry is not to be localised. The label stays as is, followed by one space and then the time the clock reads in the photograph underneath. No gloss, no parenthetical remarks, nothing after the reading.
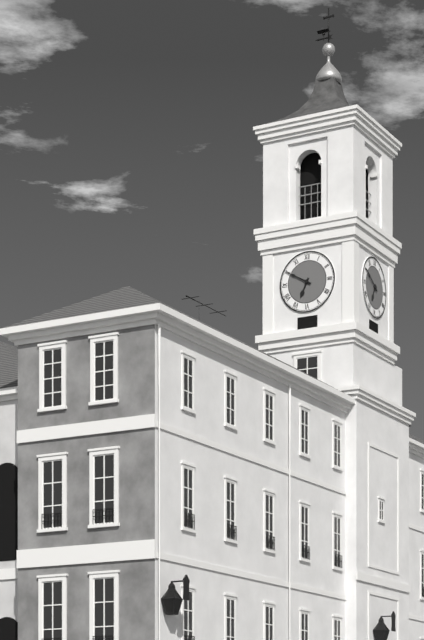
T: 6:50
